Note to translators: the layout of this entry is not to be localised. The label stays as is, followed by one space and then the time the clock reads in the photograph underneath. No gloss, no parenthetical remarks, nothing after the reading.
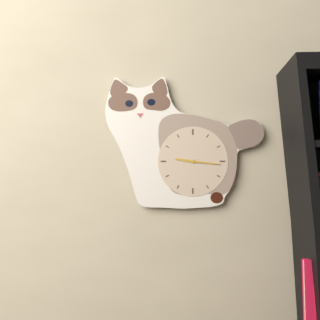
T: 9:16
